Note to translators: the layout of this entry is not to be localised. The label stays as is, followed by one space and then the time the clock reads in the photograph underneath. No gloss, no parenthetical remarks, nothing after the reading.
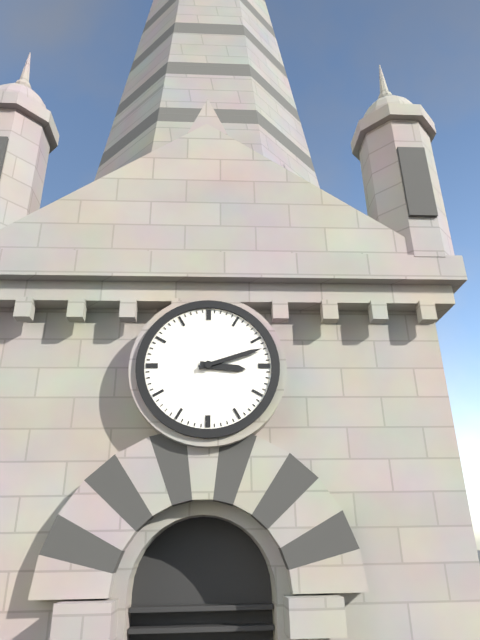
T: 3:12
